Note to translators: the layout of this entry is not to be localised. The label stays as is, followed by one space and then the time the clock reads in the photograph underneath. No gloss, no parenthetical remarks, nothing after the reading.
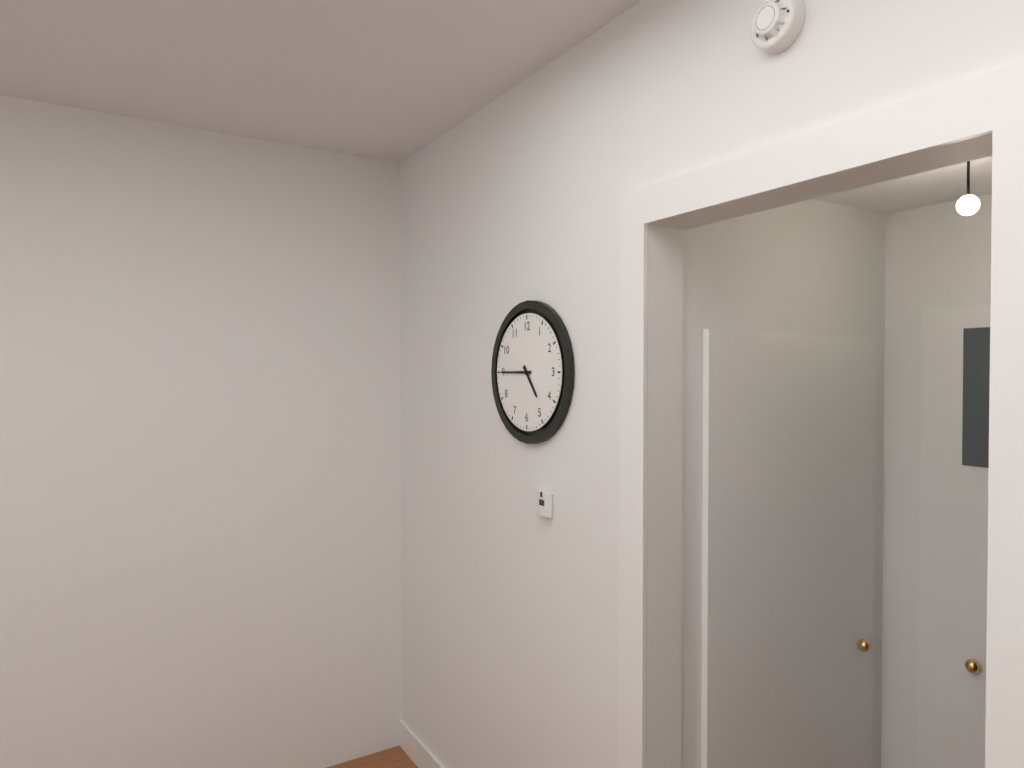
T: 4:45
